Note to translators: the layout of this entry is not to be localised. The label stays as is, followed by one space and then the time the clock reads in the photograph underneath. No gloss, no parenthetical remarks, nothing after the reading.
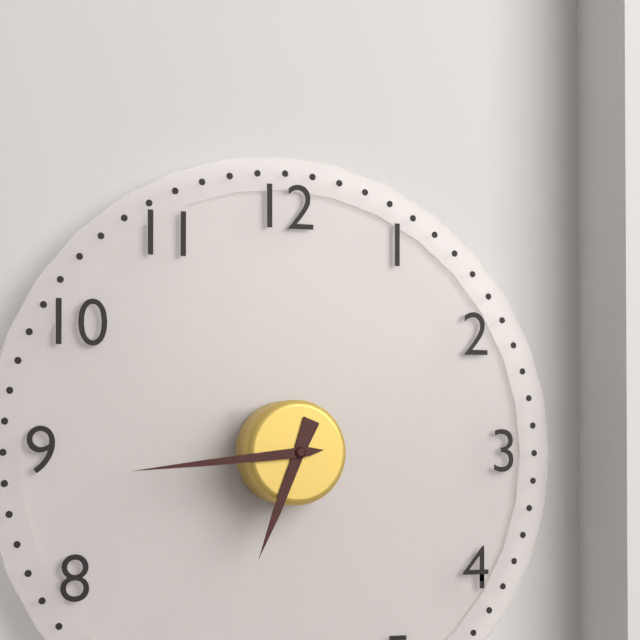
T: 6:44
